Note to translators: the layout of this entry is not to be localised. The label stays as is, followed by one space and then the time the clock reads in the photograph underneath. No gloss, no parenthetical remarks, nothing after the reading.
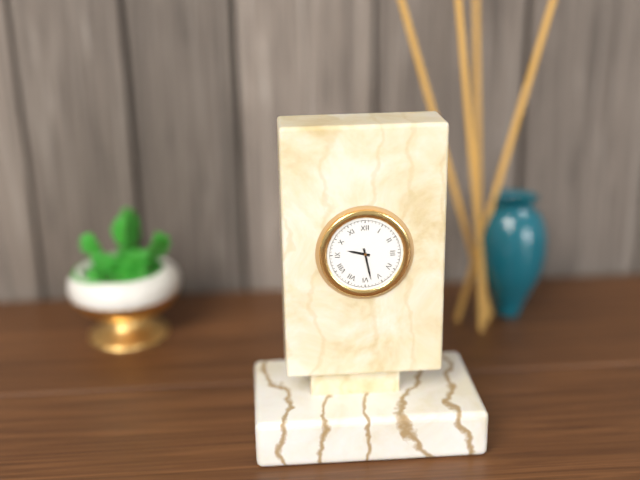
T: 9:28
